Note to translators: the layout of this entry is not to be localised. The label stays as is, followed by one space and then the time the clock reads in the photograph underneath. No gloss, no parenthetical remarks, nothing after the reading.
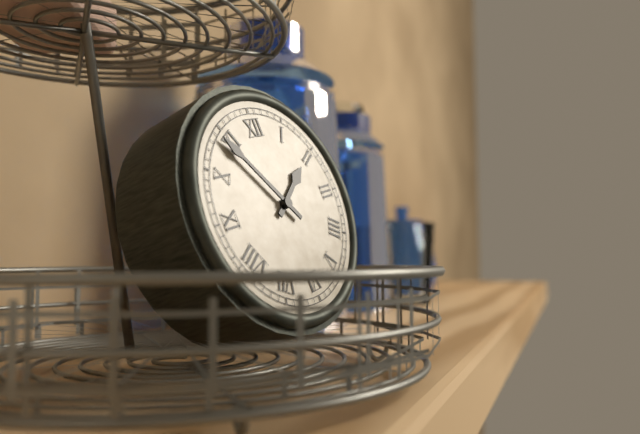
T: 1:54
